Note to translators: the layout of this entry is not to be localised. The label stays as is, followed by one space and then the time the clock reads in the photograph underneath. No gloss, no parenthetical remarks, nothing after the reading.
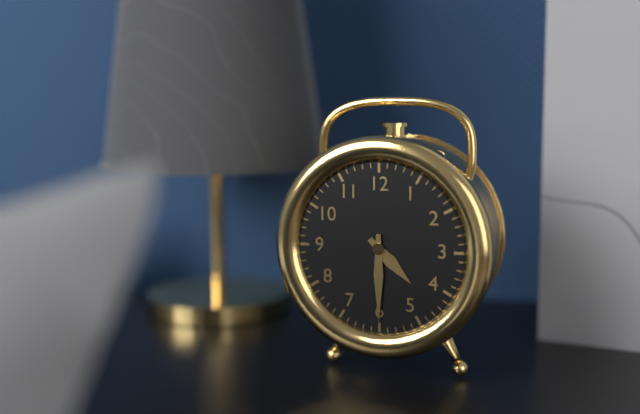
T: 4:30
